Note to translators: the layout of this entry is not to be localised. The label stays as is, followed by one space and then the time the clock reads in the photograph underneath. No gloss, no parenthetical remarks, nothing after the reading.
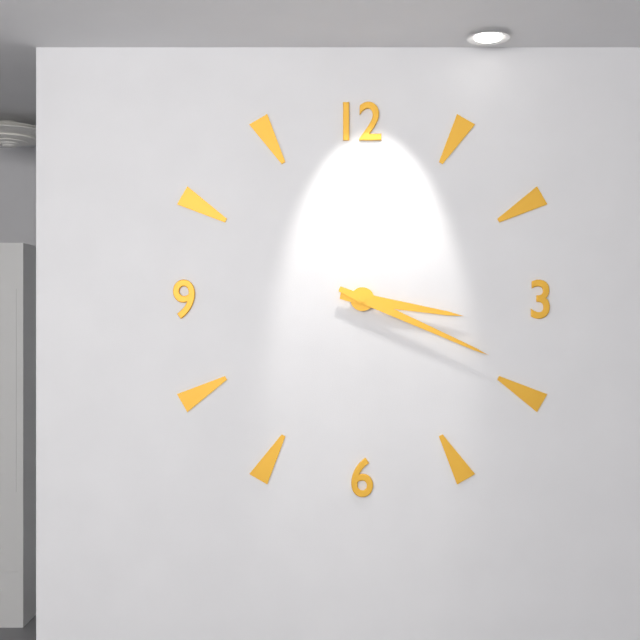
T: 3:19
